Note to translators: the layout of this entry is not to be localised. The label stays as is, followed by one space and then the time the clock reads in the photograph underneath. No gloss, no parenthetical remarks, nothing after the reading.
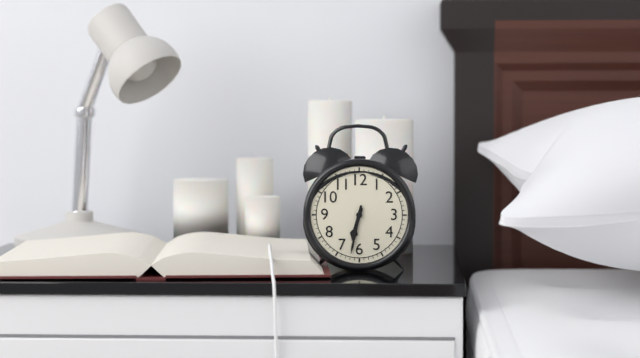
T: 6:32
